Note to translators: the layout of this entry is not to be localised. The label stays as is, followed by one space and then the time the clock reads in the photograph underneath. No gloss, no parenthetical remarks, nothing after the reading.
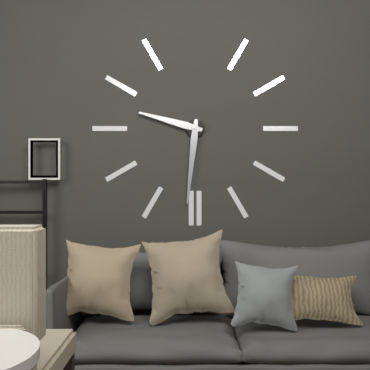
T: 9:31
